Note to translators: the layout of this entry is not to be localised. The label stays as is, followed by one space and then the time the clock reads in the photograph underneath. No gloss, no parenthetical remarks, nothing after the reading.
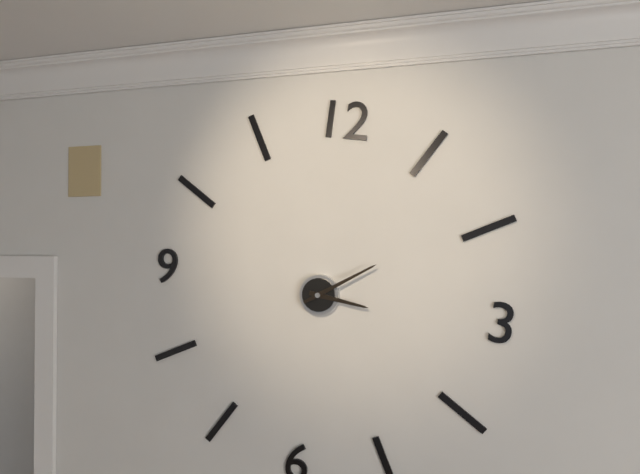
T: 3:09
